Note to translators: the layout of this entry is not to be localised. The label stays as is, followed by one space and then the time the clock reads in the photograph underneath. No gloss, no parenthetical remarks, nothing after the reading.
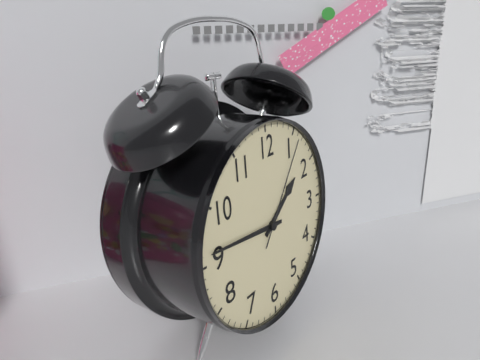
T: 1:46:06
